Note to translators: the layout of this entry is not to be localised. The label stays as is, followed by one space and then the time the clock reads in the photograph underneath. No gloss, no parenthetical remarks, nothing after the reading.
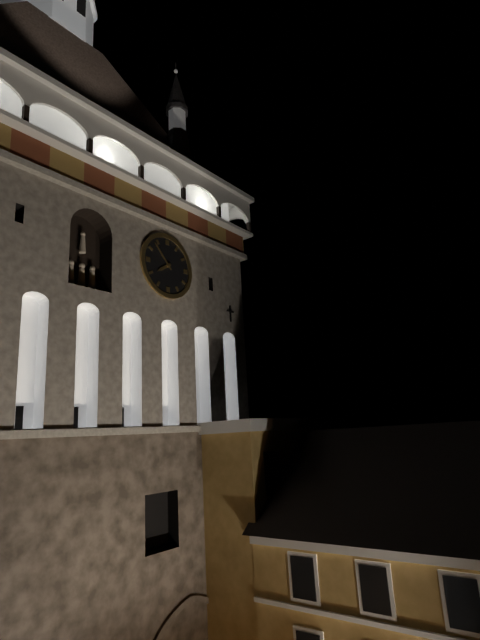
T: 7:53
